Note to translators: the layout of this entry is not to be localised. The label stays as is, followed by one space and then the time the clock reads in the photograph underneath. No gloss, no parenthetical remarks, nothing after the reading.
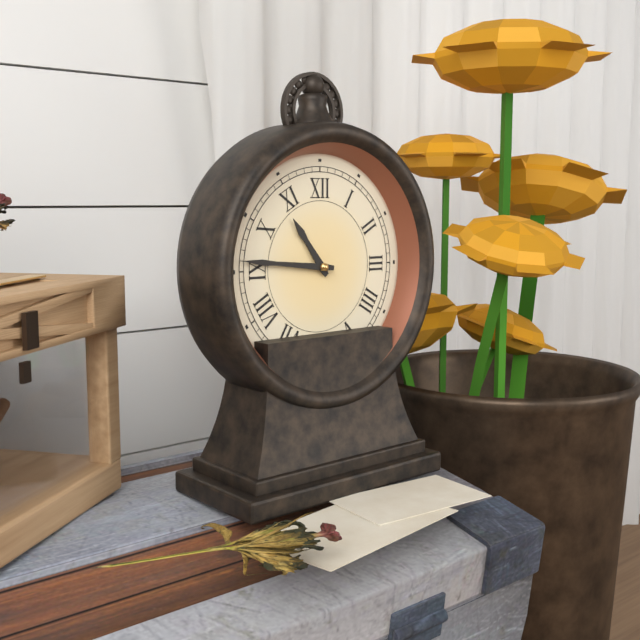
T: 10:46
